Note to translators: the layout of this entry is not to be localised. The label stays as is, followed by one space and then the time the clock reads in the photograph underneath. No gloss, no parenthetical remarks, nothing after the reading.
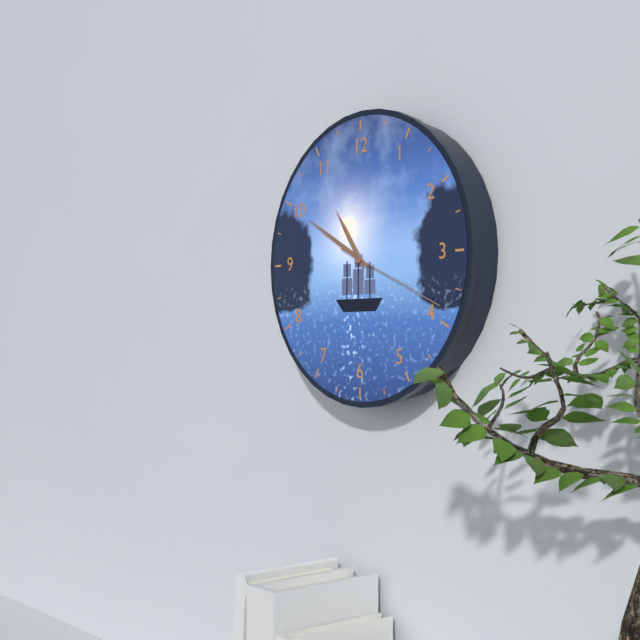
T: 10:50:19
